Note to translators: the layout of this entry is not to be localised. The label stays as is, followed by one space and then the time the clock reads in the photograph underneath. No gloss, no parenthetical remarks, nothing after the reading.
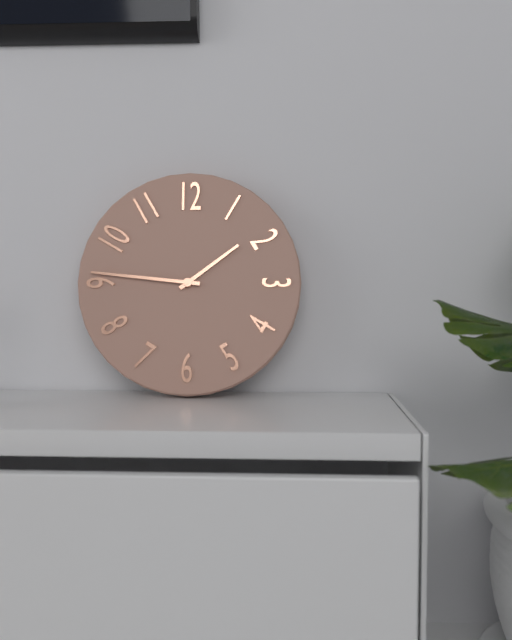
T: 1:46
